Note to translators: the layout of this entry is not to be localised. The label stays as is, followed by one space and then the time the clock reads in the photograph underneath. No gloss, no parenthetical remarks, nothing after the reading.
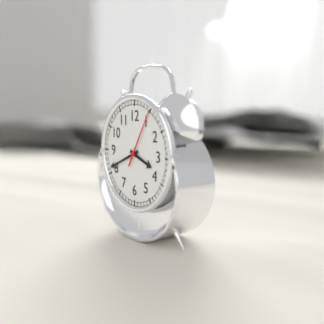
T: 3:41:05
